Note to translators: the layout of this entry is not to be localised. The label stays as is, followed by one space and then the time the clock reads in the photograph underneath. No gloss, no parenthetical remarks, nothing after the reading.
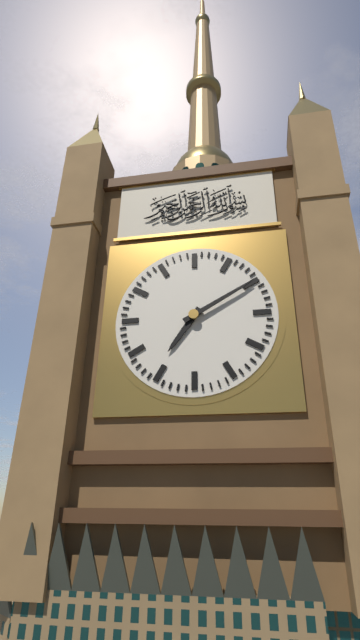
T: 7:10
